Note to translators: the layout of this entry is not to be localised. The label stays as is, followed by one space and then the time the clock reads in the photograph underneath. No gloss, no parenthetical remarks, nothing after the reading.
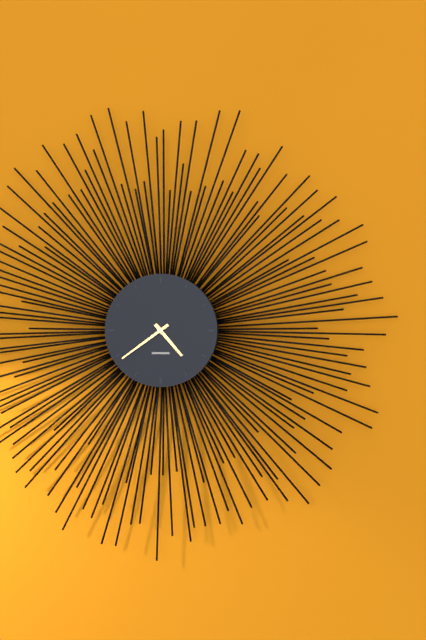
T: 4:39
